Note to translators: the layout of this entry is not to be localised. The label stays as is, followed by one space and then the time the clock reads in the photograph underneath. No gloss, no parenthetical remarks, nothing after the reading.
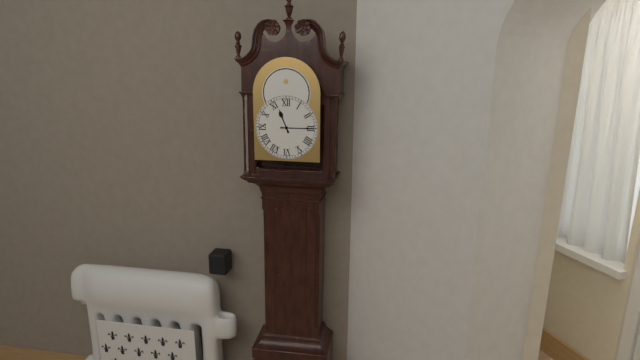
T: 11:15
